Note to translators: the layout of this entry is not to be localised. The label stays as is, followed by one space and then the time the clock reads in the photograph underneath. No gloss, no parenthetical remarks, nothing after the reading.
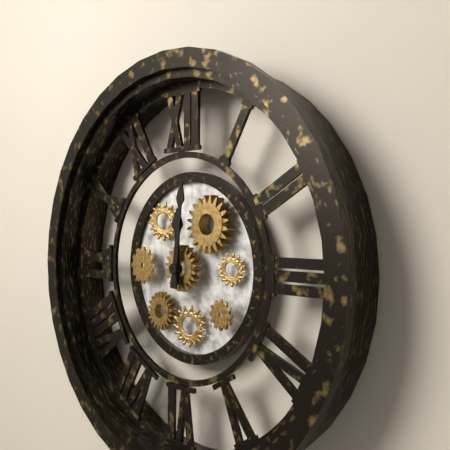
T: 12:01
